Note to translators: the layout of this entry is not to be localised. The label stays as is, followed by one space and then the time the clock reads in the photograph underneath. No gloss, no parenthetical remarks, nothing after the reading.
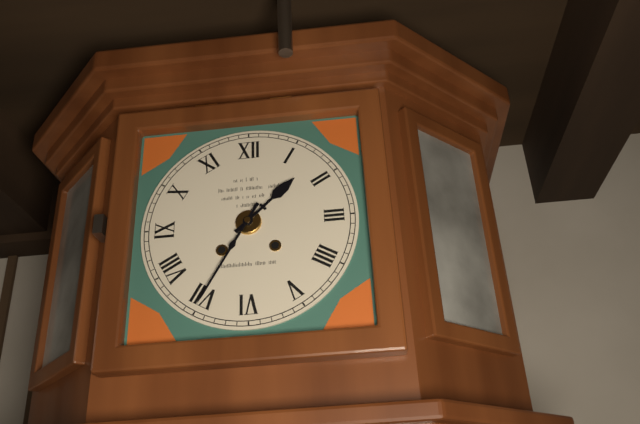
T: 1:35
